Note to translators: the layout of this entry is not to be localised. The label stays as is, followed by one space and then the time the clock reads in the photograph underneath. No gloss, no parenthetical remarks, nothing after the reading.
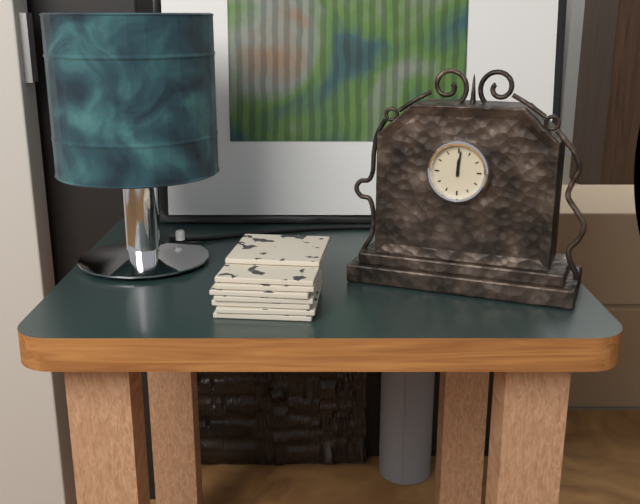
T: 12:01
